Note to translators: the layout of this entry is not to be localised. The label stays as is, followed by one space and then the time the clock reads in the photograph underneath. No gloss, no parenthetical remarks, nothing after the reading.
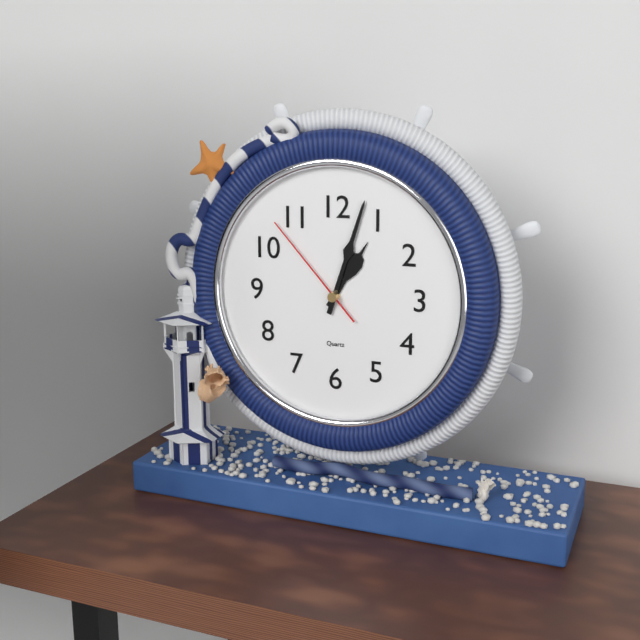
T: 1:03:53
